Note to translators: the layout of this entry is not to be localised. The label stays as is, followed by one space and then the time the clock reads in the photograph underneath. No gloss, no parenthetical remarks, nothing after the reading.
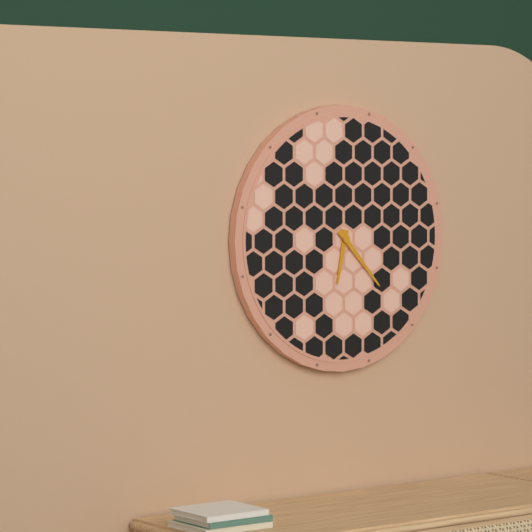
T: 6:23
